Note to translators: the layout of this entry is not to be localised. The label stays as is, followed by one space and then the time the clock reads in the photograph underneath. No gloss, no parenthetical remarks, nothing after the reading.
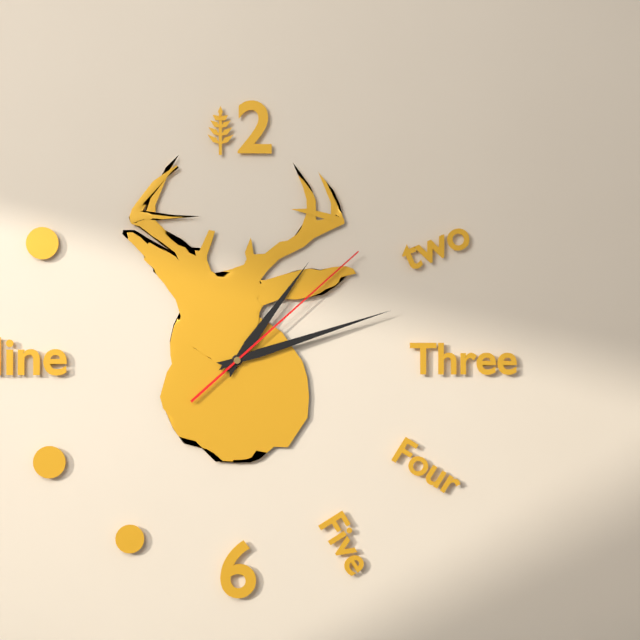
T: 1:12:08
